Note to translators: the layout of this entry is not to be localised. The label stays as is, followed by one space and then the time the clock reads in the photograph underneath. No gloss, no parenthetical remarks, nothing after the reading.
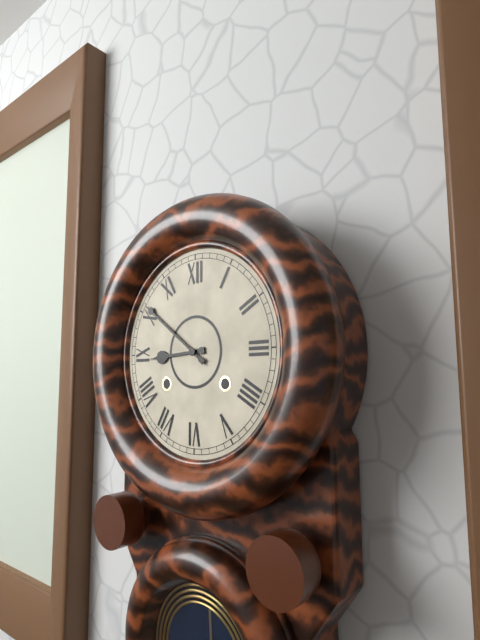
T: 8:51
